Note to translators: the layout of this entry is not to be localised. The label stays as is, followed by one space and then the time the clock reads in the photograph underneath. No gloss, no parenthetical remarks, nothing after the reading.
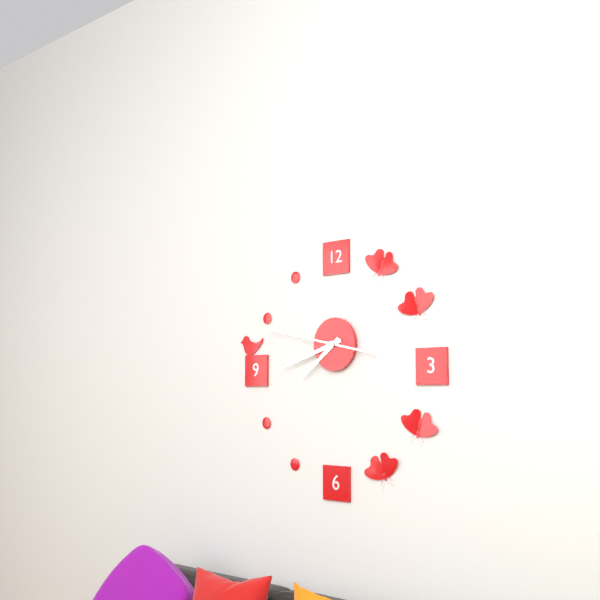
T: 7:42:47
